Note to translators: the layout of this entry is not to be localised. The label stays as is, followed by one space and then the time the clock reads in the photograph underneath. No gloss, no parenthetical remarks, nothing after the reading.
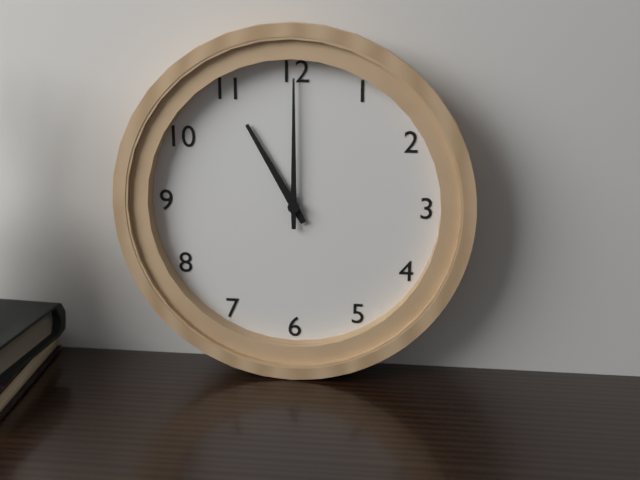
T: 11:00
